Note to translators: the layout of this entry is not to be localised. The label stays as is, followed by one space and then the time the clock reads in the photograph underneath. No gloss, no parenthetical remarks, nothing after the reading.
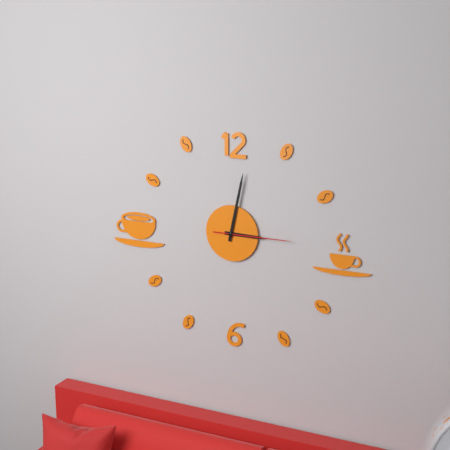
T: 3:02:15
